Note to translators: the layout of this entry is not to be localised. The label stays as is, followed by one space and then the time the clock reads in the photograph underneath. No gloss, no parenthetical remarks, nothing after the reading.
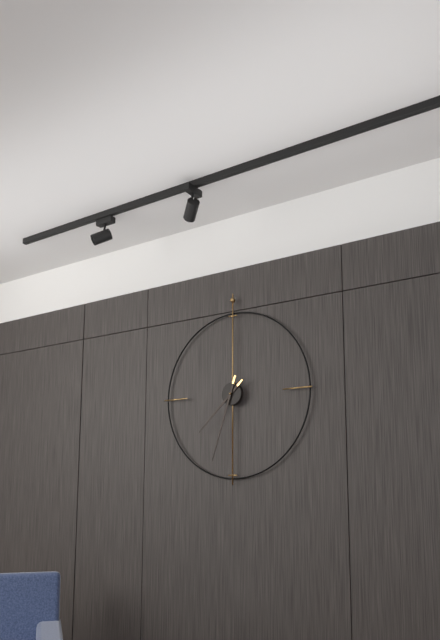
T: 7:33
